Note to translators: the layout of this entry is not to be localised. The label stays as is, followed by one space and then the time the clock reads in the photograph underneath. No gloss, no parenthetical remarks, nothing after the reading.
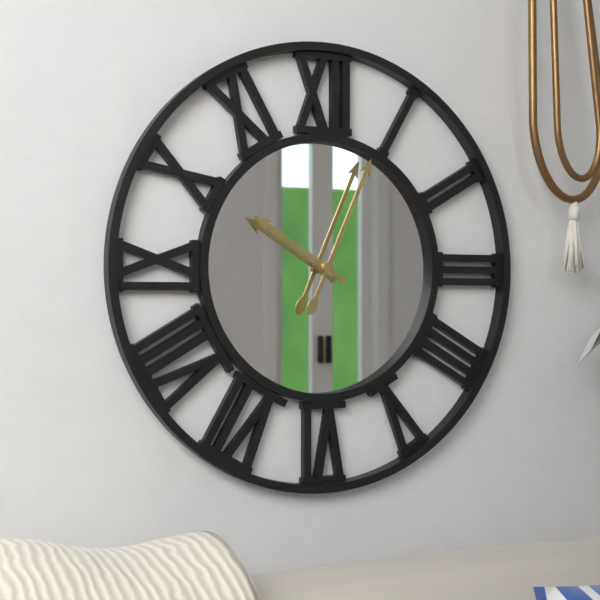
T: 10:04
